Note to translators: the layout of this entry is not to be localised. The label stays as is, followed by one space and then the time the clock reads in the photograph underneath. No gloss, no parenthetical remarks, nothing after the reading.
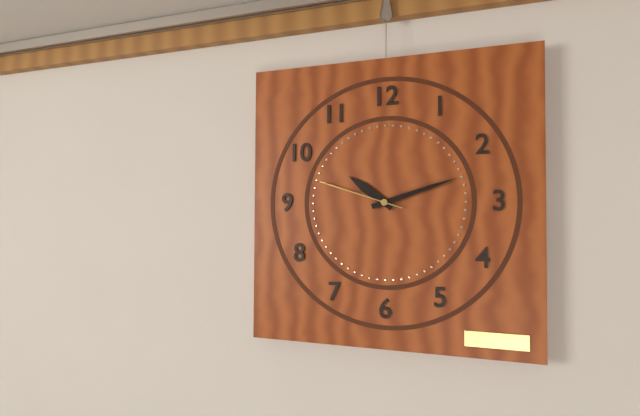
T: 10:12:48
